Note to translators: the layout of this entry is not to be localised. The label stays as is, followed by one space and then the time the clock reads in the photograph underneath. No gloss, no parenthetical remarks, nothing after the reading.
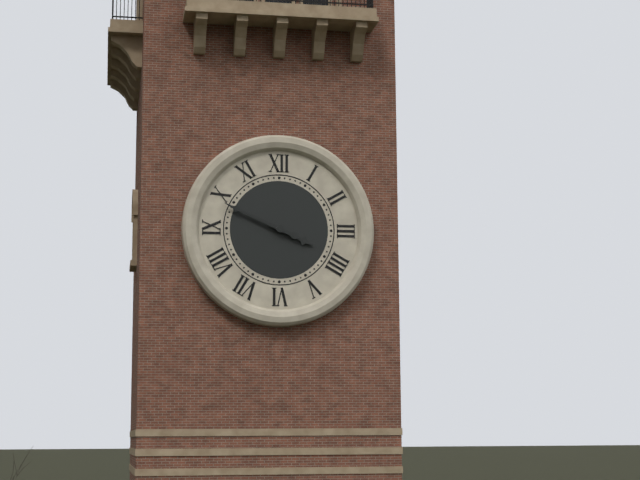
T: 3:49
